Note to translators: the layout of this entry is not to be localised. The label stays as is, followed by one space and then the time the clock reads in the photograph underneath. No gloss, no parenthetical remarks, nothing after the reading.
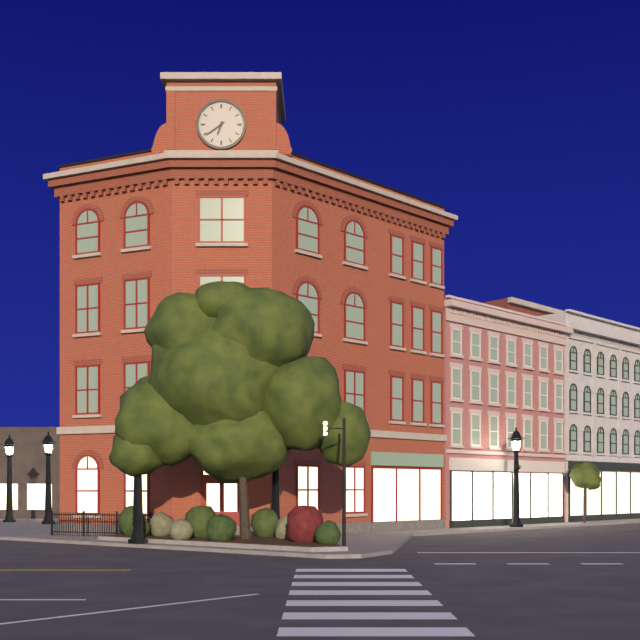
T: 6:39
